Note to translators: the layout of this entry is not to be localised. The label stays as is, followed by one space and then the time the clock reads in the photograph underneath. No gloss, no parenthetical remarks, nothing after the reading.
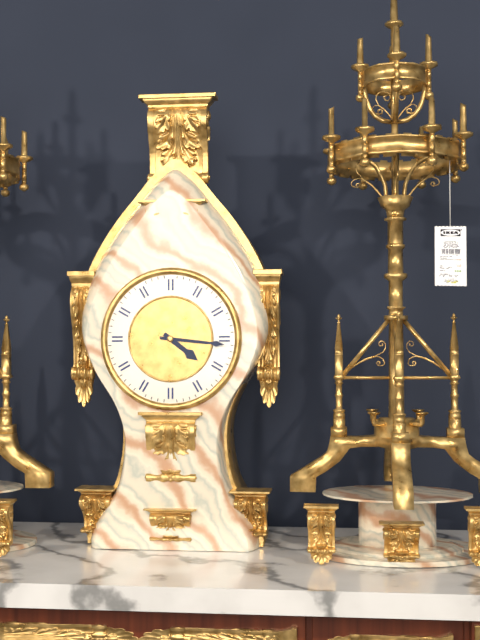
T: 4:16
